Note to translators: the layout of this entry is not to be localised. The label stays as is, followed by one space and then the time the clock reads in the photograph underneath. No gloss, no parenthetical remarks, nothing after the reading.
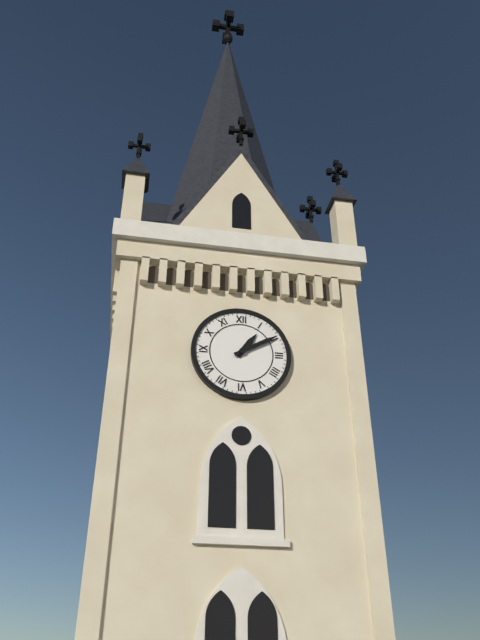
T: 1:10
